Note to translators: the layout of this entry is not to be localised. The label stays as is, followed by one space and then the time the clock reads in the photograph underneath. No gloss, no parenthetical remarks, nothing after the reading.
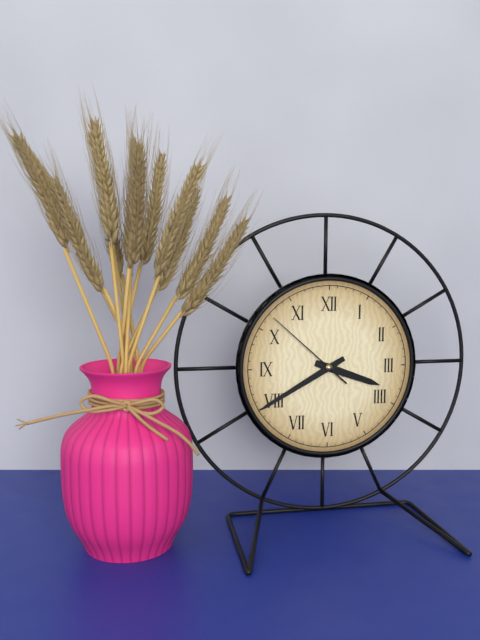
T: 3:40:52
